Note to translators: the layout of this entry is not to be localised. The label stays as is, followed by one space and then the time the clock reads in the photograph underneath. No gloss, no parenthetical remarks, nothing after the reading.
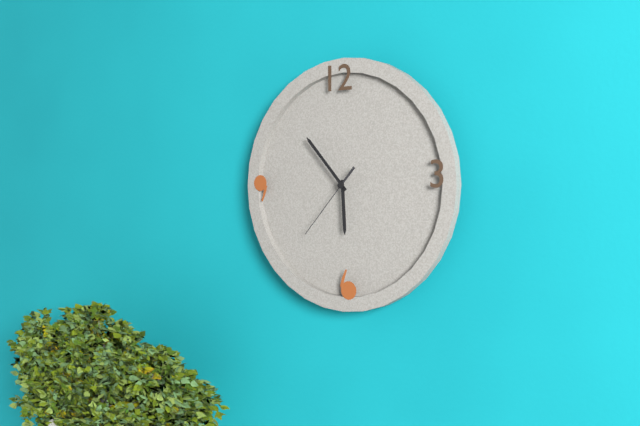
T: 5:53:37
